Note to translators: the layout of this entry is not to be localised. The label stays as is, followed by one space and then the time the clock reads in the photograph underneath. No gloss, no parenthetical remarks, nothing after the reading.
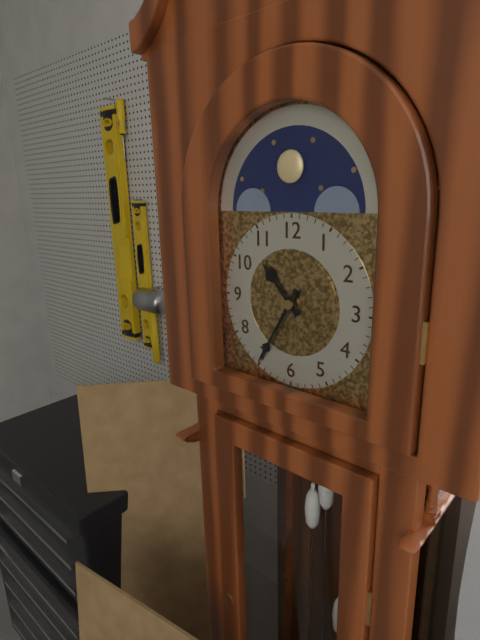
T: 10:35
